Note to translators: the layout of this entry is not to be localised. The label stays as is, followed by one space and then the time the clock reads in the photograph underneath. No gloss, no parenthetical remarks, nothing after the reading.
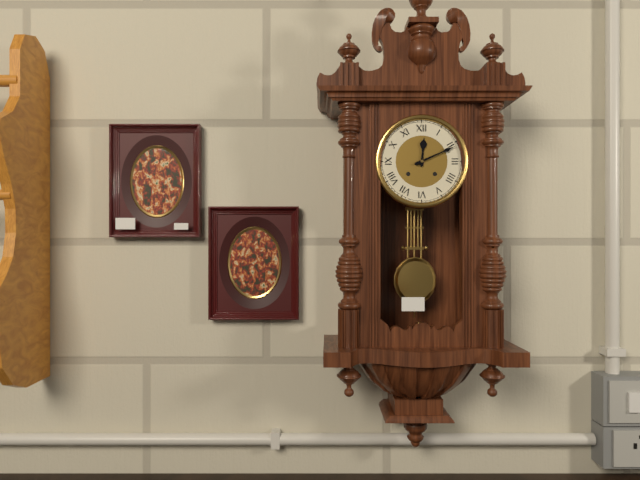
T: 12:11
